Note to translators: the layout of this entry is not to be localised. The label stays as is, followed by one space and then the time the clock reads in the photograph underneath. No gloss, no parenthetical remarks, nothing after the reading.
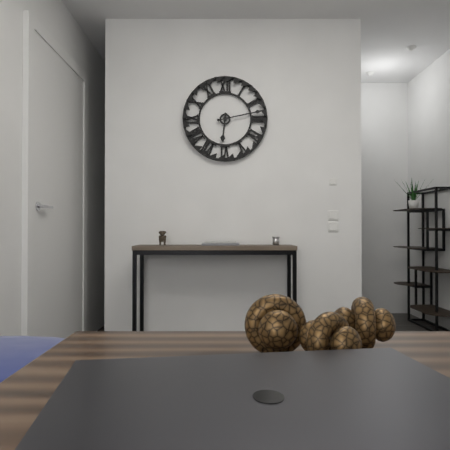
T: 6:13
